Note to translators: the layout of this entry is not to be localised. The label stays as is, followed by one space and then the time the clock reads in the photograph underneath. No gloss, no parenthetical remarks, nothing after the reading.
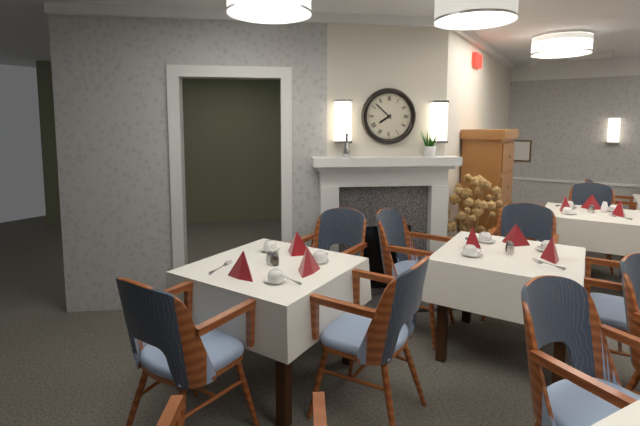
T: 7:52
